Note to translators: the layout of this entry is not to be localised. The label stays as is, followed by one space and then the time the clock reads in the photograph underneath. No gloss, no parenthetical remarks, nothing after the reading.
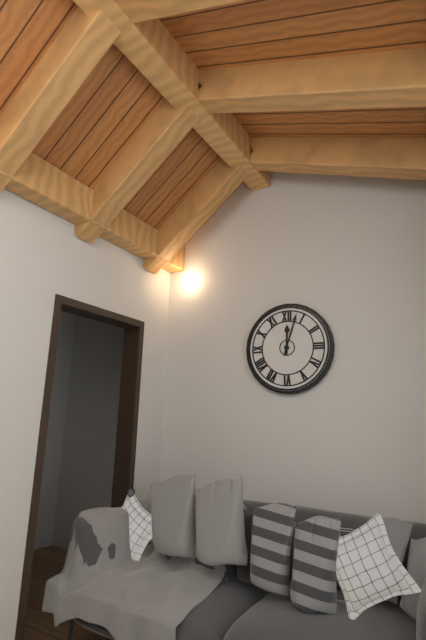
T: 12:03
